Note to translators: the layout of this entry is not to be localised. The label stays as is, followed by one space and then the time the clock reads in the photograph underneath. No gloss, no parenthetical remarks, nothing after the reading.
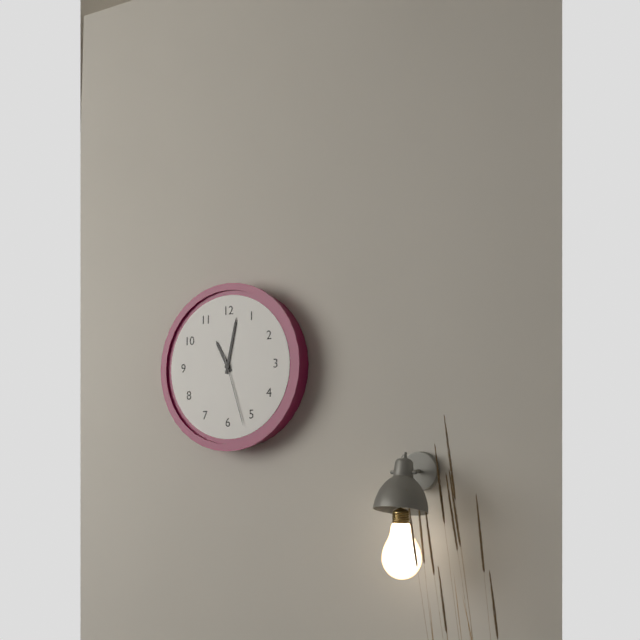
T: 11:02:27
